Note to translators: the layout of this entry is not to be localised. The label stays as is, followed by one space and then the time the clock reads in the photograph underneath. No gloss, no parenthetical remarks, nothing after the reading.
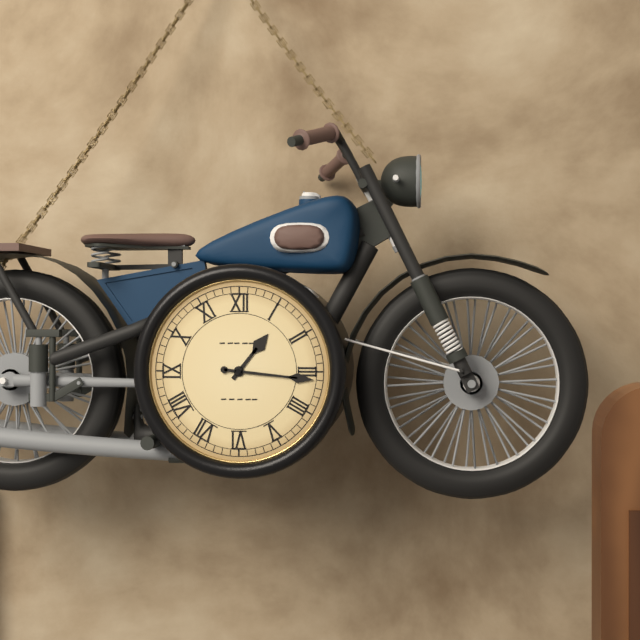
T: 1:16
